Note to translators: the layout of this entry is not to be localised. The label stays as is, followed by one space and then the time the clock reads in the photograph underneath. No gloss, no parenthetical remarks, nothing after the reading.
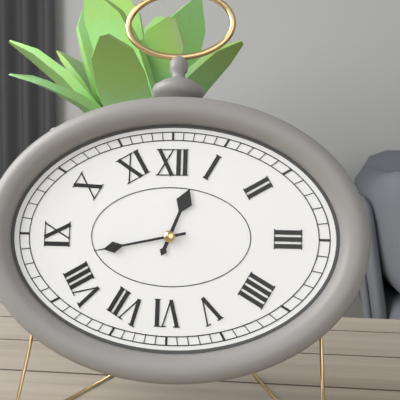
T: 12:43
